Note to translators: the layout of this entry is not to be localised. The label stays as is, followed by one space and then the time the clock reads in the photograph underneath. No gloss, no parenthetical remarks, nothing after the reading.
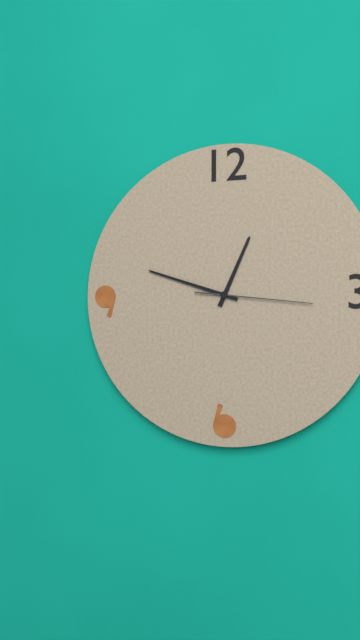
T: 12:48:16
